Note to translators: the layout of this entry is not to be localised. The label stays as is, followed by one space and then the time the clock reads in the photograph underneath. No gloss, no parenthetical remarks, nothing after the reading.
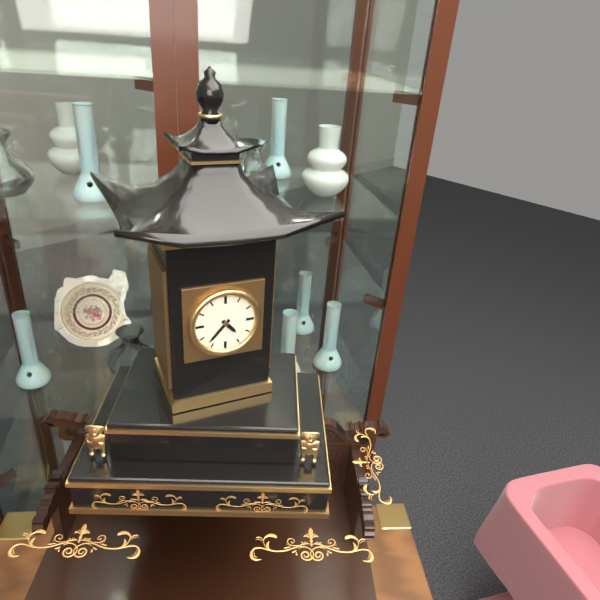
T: 4:37
